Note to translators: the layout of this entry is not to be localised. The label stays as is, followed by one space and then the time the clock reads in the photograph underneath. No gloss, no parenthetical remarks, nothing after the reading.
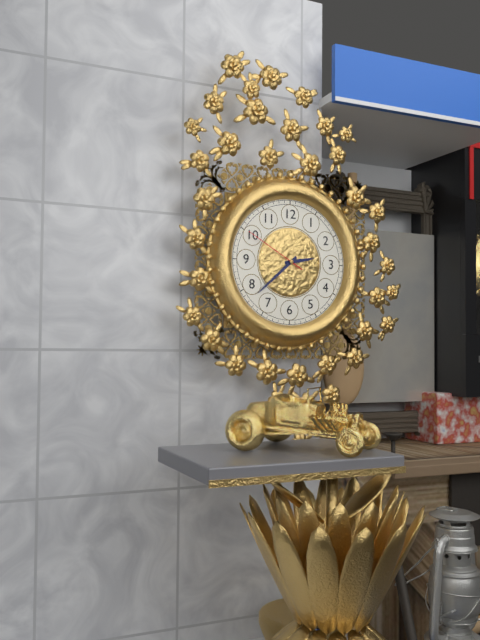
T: 2:38:50
